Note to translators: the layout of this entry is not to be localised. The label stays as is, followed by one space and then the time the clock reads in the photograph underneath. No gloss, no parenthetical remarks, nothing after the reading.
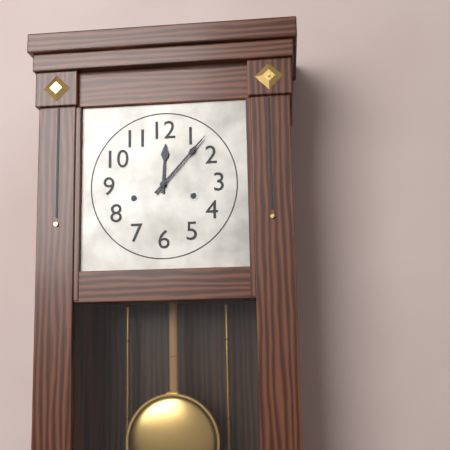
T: 12:07
